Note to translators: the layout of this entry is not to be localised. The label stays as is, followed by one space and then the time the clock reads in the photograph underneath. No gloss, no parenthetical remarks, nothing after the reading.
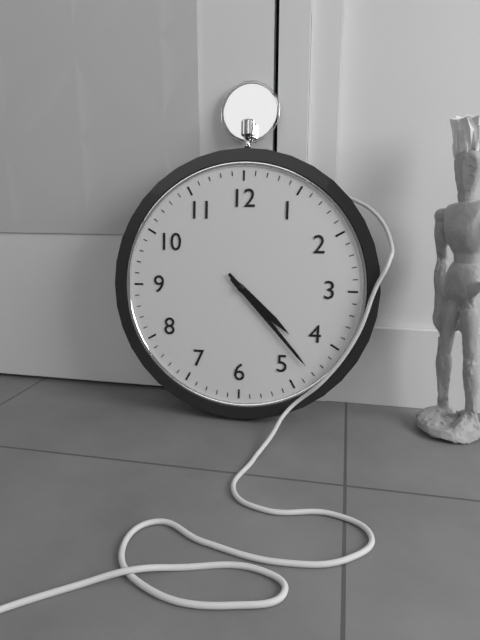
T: 4:23
